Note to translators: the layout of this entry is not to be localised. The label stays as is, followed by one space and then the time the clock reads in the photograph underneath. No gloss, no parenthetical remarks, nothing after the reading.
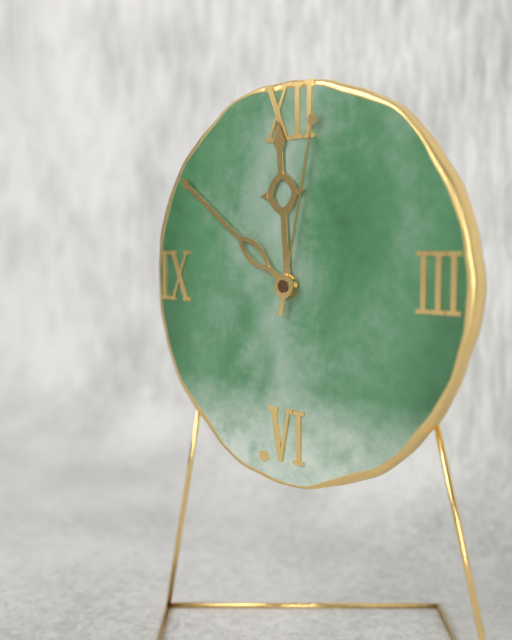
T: 11:51:02
